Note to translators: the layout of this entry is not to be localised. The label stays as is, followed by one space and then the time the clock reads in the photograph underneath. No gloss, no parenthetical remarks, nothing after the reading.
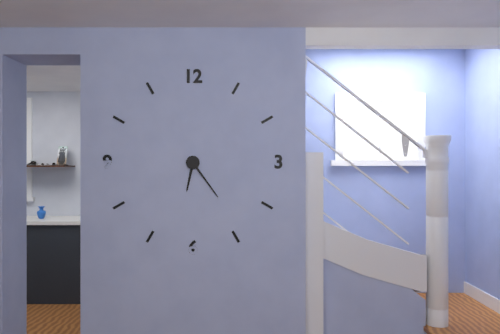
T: 6:24
